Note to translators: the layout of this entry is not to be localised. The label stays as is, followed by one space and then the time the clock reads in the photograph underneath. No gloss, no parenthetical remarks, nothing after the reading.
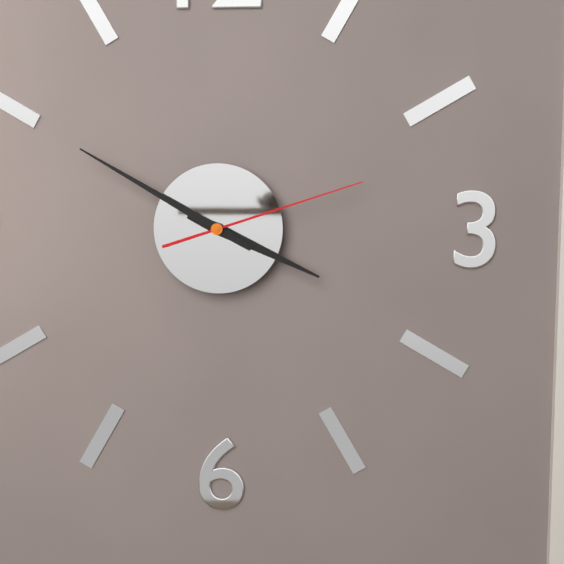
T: 3:50:12
